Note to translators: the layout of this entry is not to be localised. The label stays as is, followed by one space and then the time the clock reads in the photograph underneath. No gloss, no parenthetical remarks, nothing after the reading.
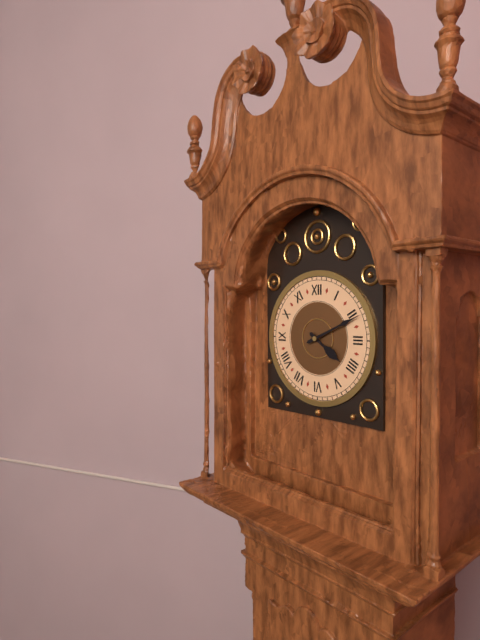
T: 4:11
